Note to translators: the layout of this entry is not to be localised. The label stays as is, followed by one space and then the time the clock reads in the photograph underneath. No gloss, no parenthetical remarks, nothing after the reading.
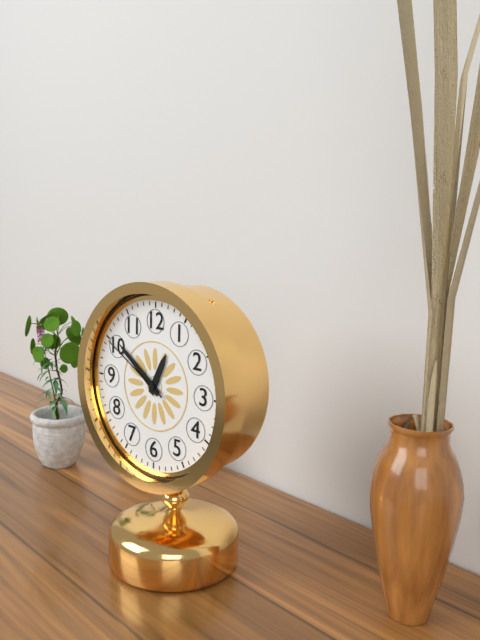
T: 12:51:50
